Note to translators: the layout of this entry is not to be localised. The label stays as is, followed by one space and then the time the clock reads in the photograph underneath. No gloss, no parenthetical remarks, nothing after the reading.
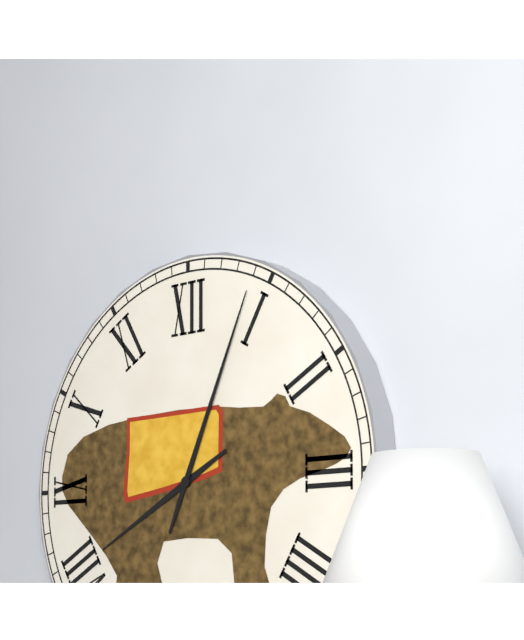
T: 8:04
